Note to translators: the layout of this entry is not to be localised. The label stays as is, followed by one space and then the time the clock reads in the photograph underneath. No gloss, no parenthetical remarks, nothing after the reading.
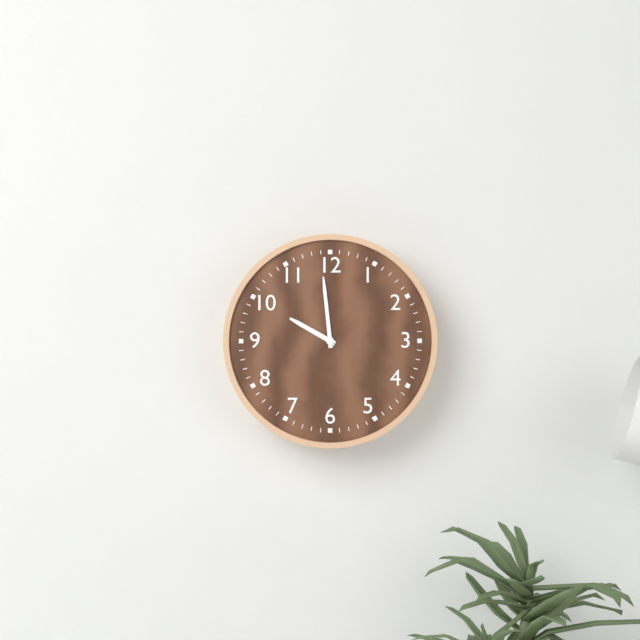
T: 9:59
